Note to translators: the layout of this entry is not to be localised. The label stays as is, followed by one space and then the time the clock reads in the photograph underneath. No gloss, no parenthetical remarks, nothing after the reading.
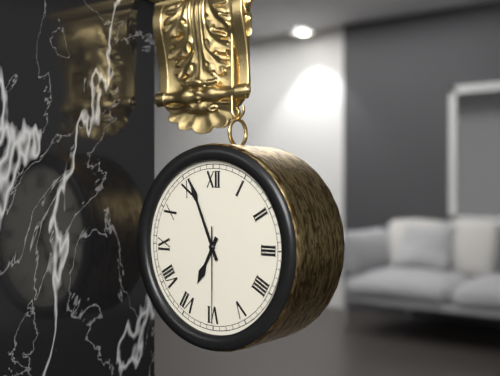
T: 6:56:30
